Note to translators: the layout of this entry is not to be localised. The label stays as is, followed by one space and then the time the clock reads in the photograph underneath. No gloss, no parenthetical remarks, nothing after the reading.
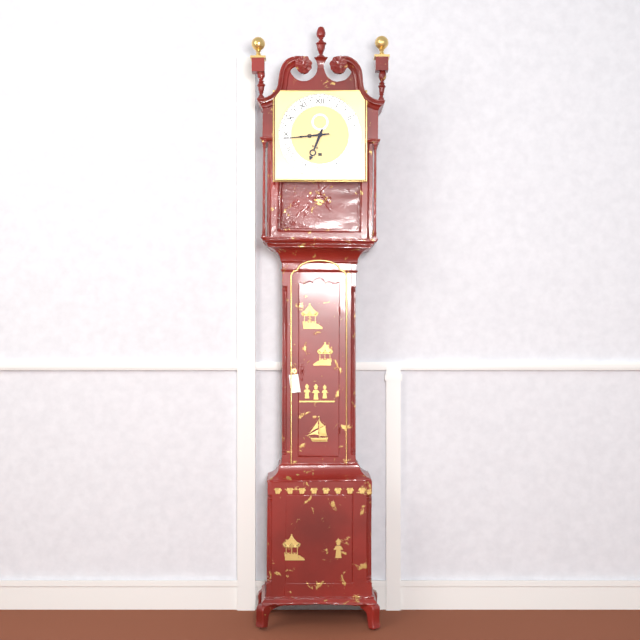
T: 6:44
